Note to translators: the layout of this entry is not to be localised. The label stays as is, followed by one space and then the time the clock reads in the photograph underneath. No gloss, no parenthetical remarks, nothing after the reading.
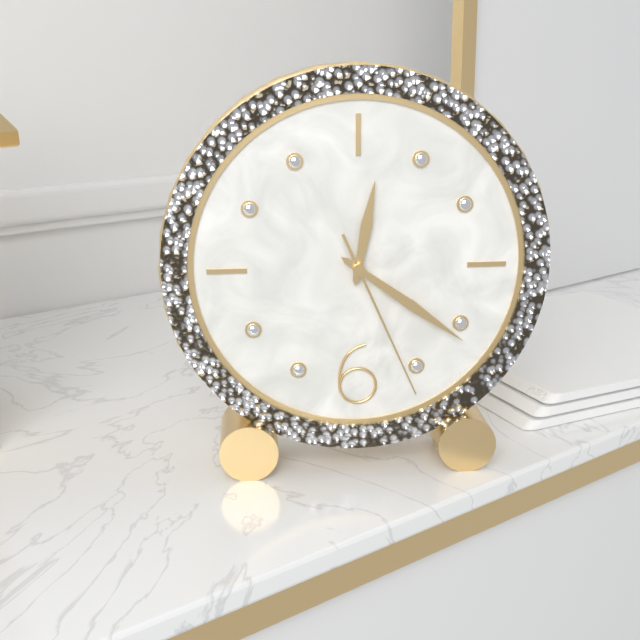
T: 12:21:26
